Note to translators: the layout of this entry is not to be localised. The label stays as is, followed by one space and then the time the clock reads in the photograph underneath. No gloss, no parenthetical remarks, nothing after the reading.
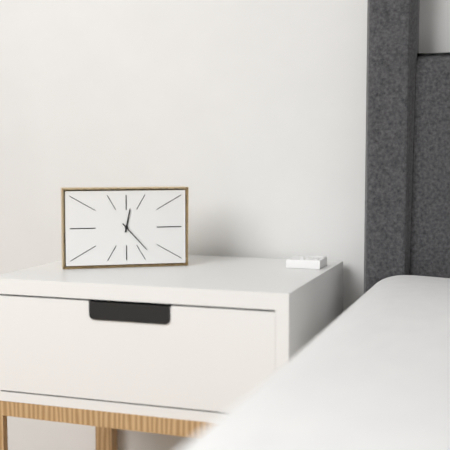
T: 12:23
